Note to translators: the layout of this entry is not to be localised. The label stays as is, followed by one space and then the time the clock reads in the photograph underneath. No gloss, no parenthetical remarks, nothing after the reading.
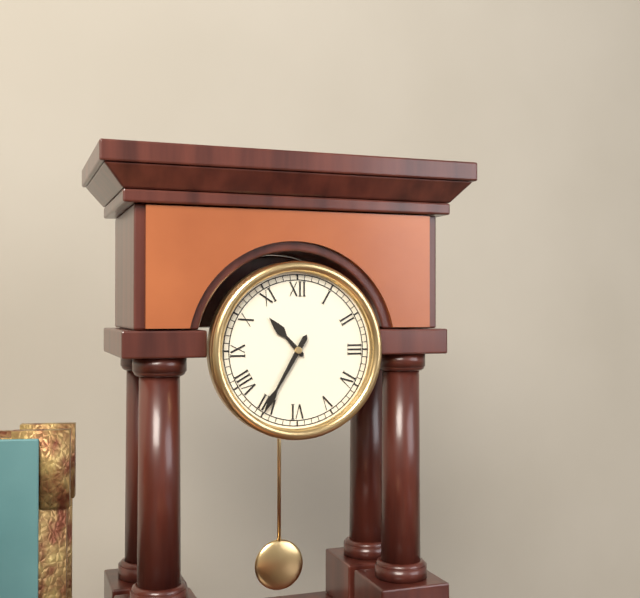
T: 10:35
